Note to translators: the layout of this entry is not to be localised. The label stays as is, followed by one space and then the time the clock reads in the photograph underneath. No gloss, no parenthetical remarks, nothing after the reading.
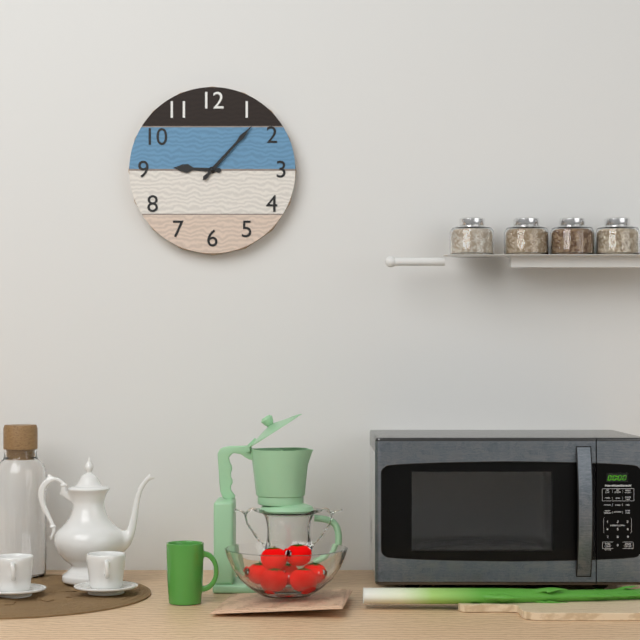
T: 9:07
